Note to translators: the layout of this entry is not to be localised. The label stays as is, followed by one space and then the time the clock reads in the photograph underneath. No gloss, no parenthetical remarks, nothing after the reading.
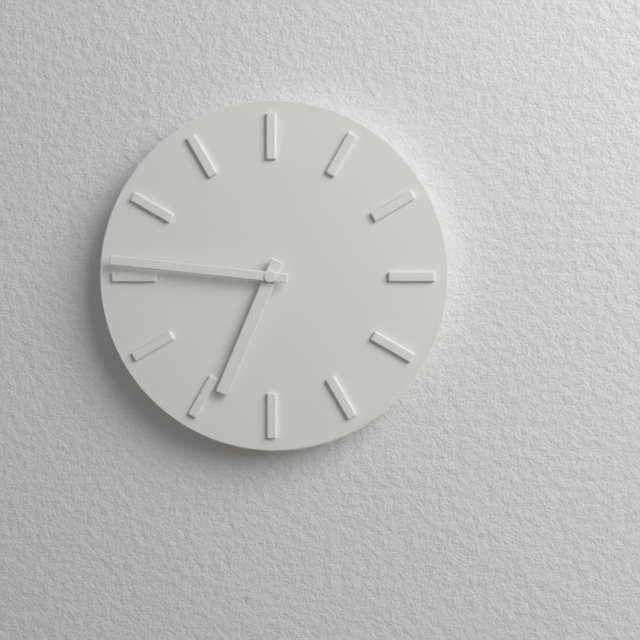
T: 6:46
